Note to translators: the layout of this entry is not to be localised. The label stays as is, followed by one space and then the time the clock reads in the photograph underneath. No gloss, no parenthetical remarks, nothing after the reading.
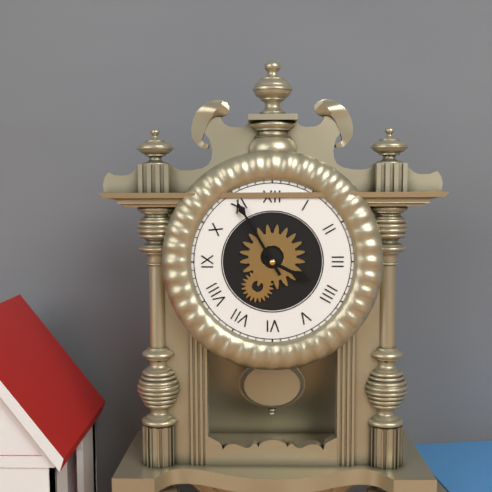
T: 3:55
